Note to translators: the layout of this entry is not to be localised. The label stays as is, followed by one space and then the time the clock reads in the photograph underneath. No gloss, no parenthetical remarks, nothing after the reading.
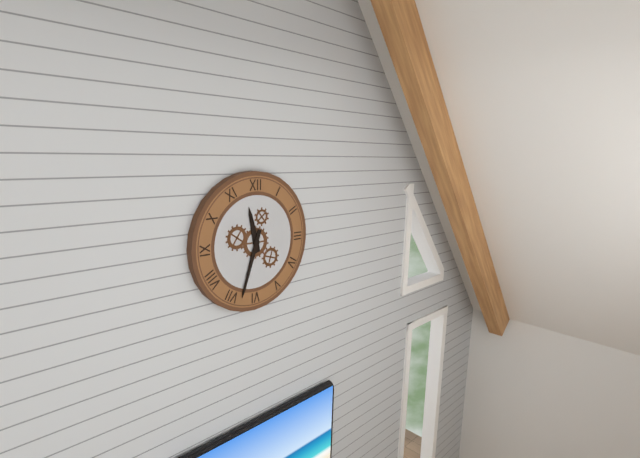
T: 11:33
